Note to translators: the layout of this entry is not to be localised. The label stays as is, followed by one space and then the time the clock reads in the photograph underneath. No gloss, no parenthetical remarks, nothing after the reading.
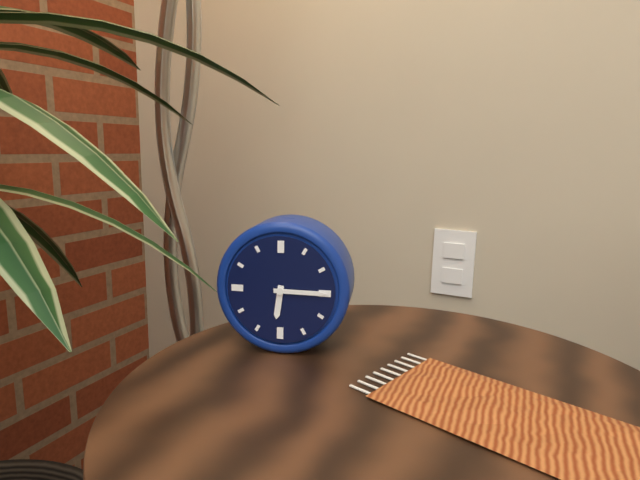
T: 6:15
